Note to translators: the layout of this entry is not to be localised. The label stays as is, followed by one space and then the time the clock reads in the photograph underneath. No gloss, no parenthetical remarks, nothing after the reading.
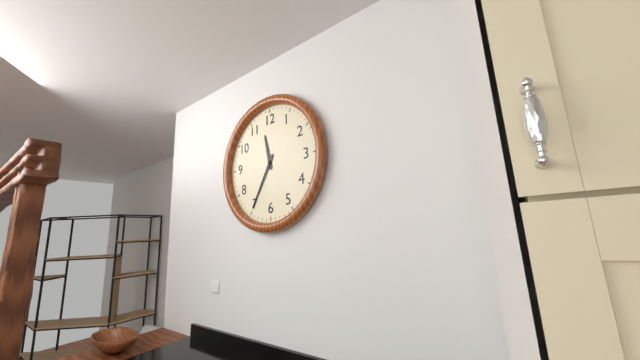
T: 11:35
